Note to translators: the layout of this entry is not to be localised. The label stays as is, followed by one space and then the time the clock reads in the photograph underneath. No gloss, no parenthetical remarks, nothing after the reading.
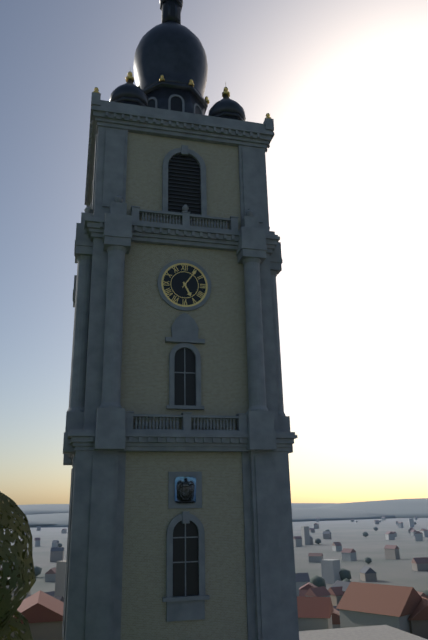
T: 5:06
